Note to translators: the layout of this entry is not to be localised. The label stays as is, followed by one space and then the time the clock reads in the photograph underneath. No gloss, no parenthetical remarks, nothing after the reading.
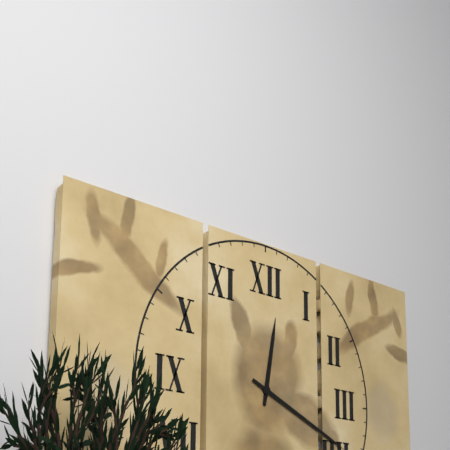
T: 12:19
